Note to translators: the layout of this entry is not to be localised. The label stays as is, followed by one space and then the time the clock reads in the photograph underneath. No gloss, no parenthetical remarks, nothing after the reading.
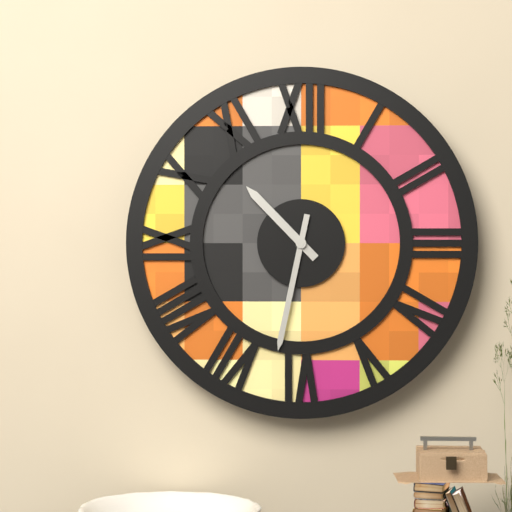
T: 10:32
